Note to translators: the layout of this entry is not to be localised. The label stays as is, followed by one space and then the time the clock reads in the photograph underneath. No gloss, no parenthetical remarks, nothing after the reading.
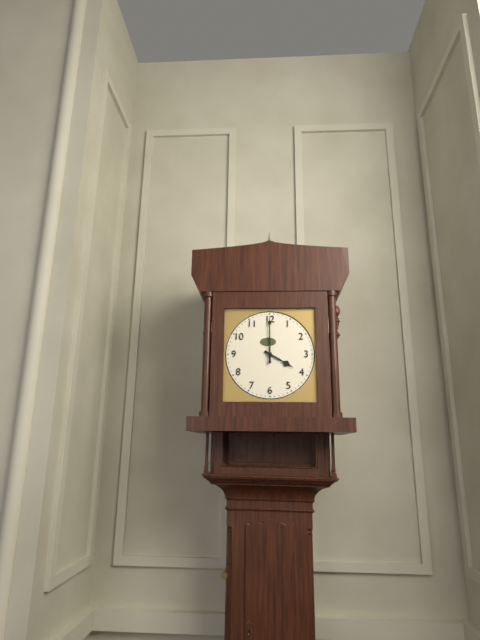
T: 4:00
